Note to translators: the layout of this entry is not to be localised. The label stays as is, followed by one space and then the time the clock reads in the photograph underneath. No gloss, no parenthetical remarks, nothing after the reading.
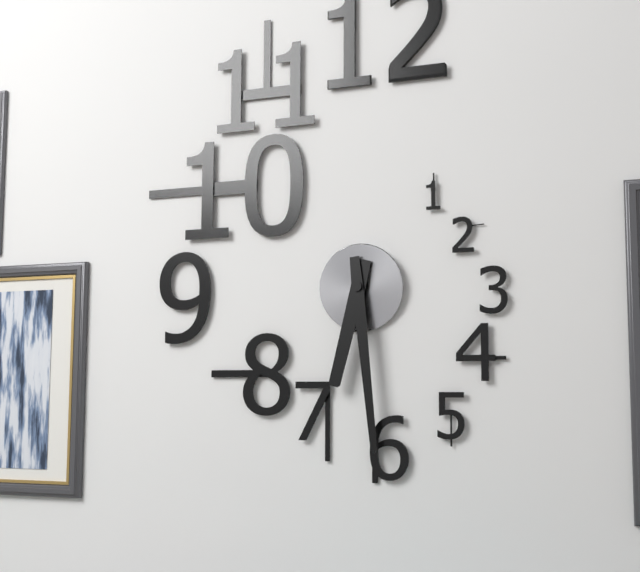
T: 6:29
